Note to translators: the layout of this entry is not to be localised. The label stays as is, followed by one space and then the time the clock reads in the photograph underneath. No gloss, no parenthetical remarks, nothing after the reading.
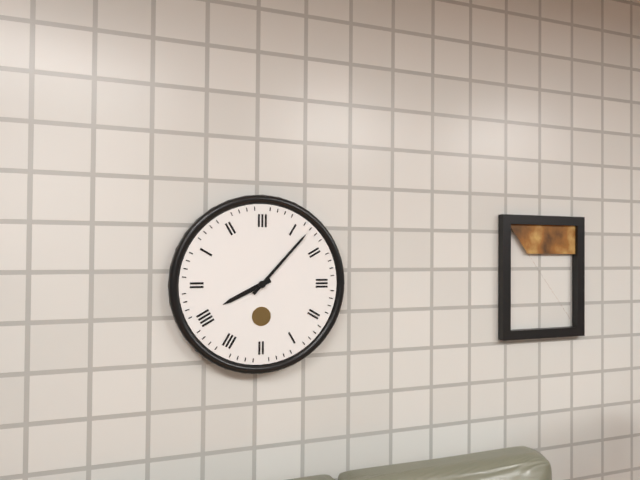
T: 8:07
